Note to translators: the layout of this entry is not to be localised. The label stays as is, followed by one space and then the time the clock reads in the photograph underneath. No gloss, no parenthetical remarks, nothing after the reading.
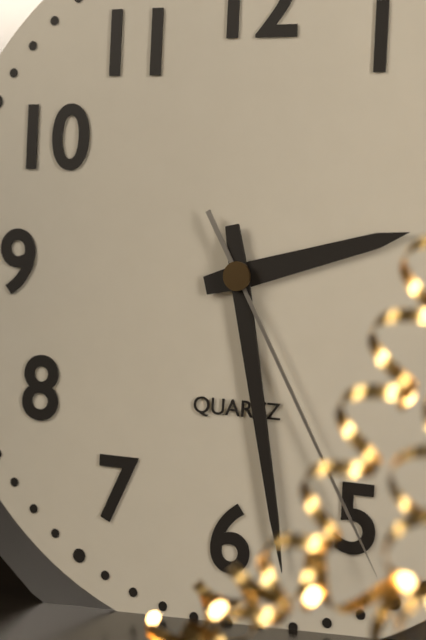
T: 2:28:25
